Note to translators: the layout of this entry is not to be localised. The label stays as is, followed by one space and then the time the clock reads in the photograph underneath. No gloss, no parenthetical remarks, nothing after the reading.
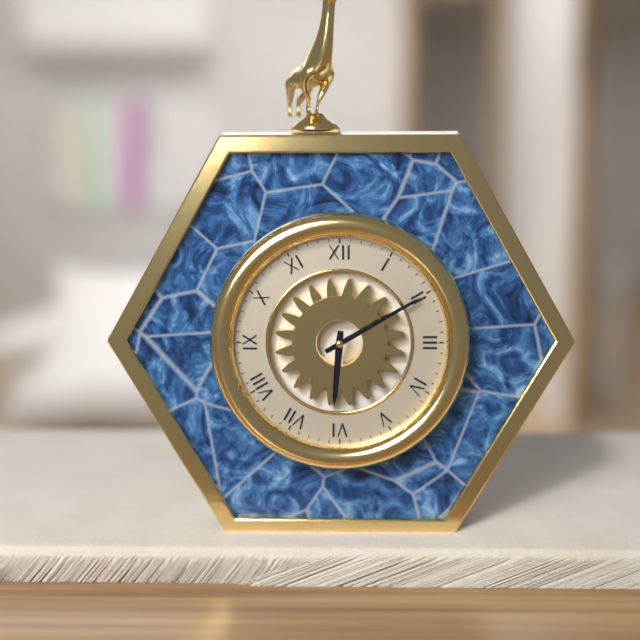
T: 6:10
